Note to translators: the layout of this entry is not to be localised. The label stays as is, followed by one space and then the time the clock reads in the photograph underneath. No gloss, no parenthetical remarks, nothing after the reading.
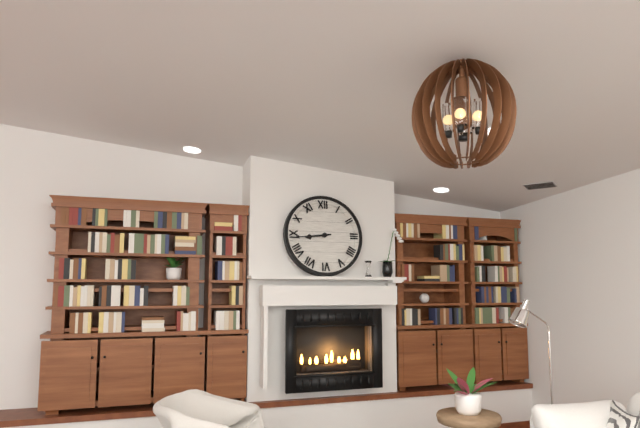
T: 8:44
